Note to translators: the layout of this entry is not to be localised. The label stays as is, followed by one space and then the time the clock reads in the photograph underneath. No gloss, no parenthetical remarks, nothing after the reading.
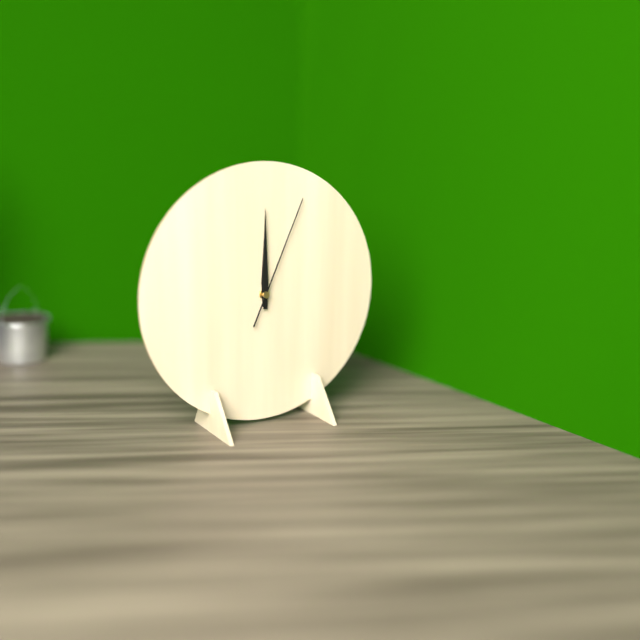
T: 12:00:04
